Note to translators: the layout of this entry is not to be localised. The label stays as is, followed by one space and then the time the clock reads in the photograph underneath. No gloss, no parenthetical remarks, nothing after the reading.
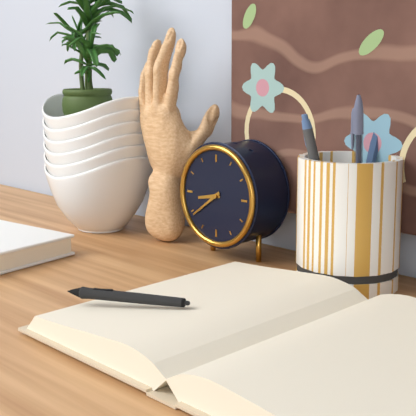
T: 8:39
